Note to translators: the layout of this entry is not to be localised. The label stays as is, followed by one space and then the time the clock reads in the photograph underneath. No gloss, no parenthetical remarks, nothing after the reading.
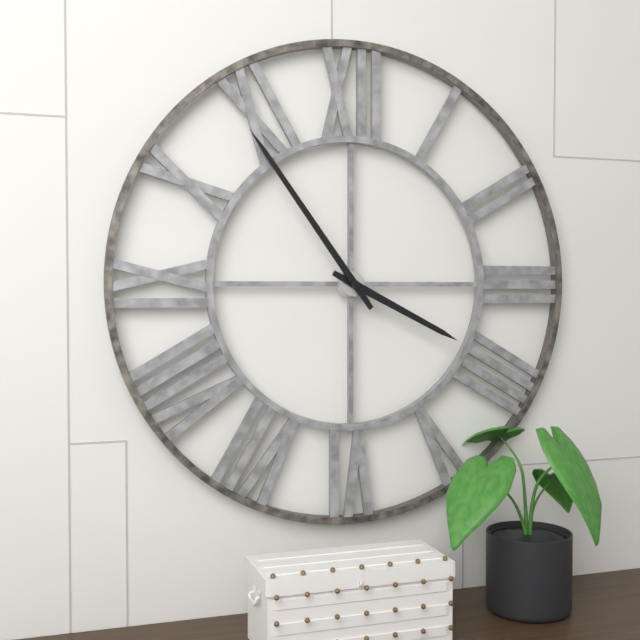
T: 3:54
